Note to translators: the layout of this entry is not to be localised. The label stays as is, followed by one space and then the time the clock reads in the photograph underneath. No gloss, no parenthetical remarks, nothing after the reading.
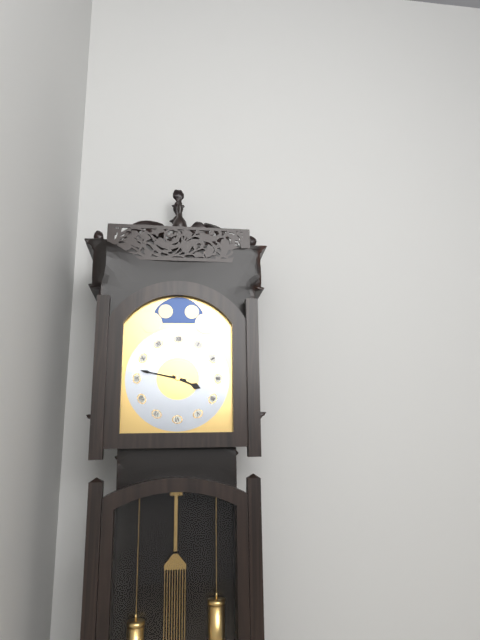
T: 3:47
